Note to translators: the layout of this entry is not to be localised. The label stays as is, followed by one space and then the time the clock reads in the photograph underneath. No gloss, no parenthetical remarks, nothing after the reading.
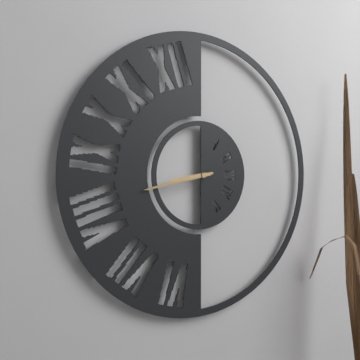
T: 8:43
